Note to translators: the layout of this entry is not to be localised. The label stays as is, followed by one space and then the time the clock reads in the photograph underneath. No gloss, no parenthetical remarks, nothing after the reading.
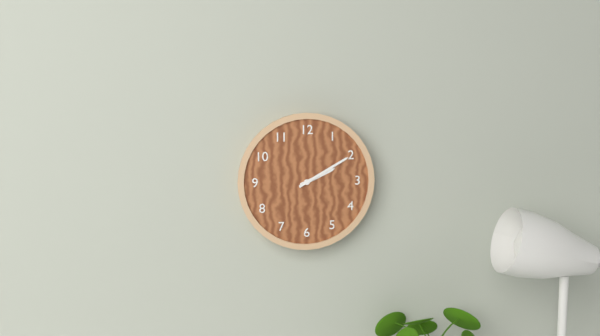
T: 2:10
